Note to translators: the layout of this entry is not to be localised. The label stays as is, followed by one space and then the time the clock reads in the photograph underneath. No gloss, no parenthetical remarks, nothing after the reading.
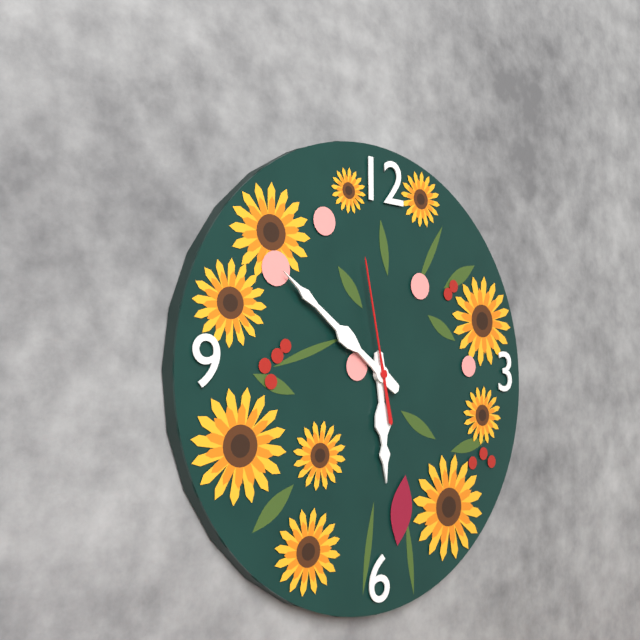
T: 5:51:58
